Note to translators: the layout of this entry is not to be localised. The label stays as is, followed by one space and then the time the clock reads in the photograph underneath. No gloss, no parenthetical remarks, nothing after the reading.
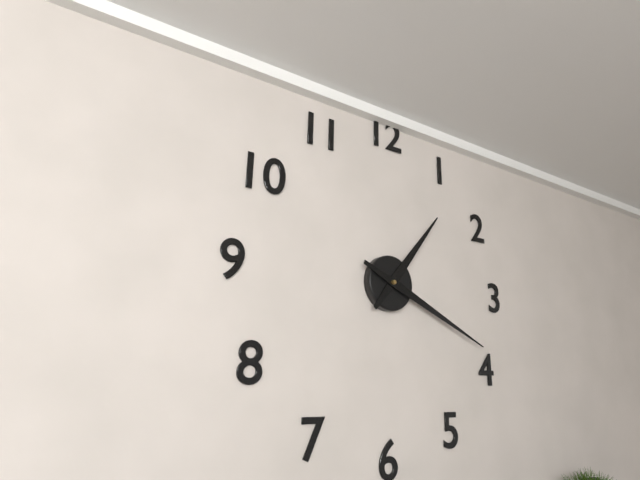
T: 1:19
